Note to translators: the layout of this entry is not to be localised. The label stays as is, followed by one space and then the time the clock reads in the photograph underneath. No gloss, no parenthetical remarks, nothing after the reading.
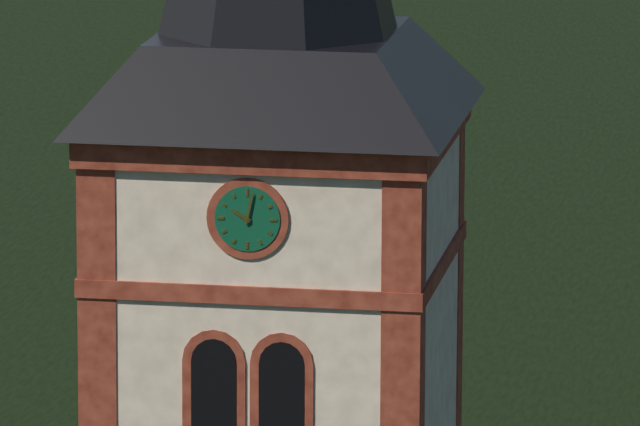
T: 10:02
